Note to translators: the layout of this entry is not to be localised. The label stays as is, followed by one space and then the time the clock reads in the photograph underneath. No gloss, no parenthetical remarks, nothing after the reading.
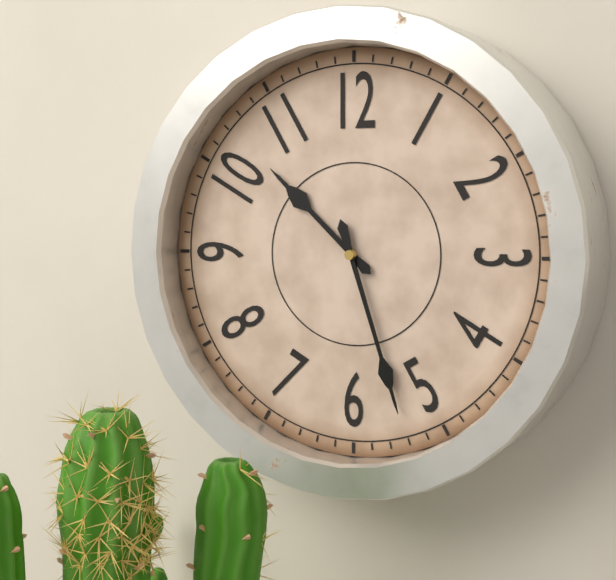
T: 10:27
